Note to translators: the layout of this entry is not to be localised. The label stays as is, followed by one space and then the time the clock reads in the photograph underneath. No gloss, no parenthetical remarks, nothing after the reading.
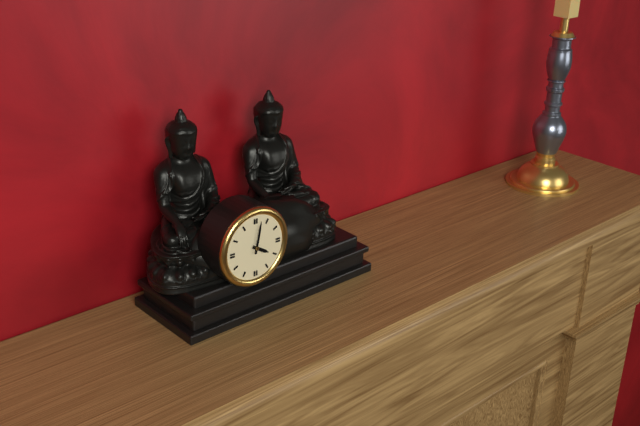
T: 4:02
